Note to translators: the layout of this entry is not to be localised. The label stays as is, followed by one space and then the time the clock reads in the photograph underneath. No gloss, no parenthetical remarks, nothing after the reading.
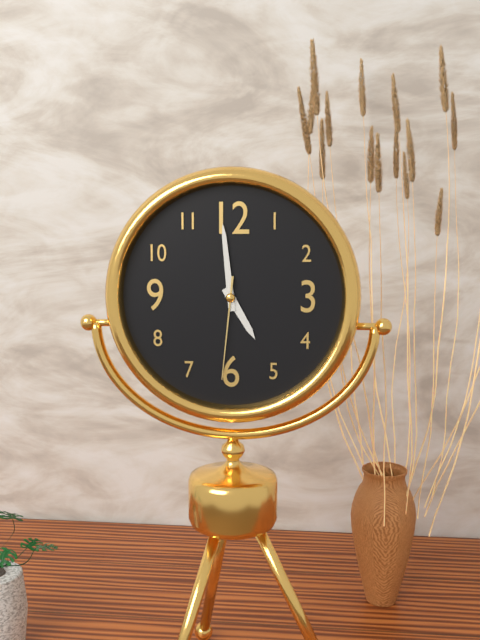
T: 4:59:31
